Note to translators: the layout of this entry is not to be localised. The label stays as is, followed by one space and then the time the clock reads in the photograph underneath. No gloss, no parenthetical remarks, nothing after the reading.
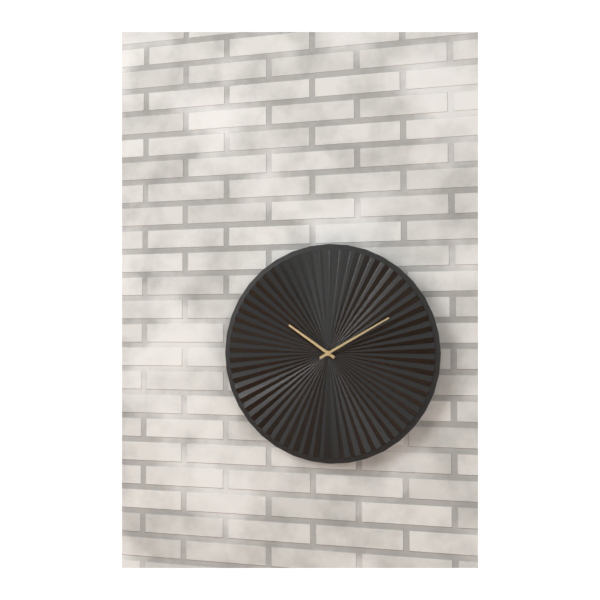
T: 10:10
